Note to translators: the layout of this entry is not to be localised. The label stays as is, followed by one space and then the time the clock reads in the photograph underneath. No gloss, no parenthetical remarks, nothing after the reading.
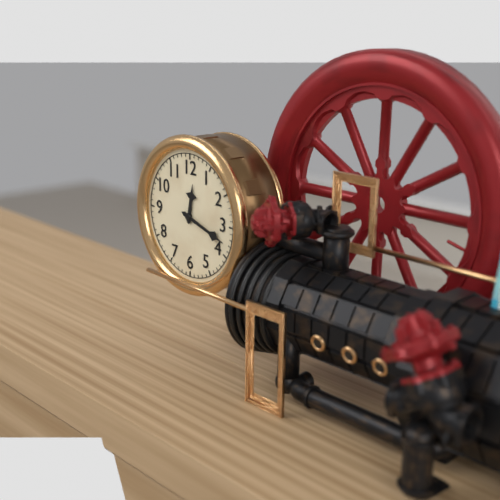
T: 12:18
